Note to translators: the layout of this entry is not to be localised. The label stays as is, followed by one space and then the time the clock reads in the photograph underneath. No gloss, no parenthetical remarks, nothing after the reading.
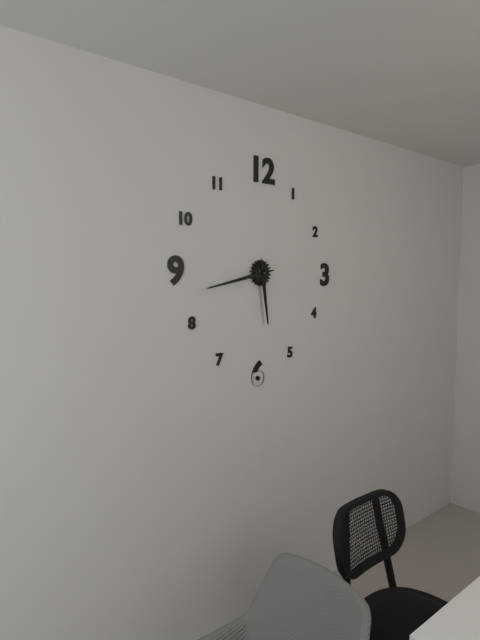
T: 5:43
